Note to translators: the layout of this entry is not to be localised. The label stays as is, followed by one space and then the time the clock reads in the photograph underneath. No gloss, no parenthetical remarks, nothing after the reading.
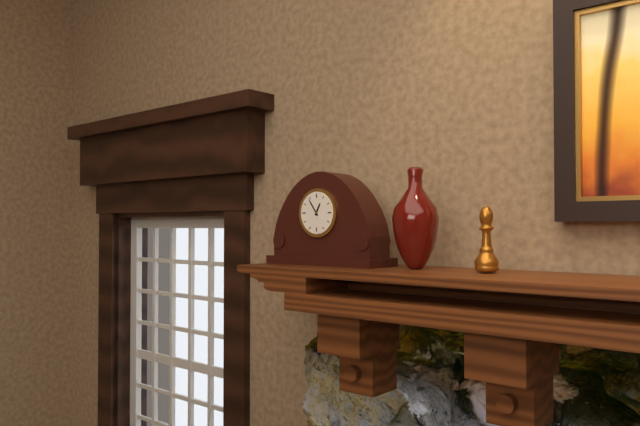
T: 12:54
